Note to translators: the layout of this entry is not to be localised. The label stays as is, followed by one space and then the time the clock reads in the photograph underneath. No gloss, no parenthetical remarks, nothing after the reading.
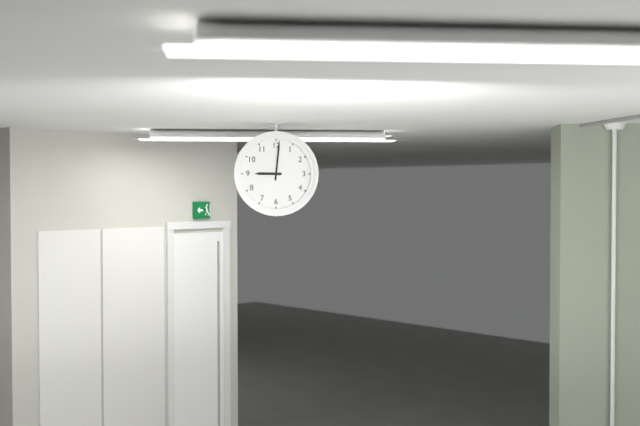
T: 9:01
